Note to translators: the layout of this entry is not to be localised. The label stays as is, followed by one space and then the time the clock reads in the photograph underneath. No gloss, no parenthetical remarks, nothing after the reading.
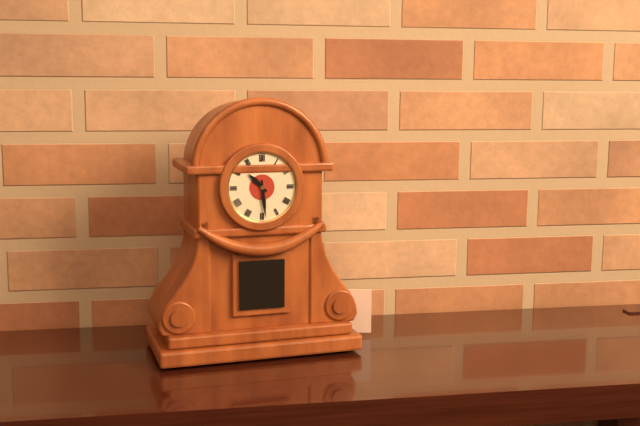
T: 10:29
